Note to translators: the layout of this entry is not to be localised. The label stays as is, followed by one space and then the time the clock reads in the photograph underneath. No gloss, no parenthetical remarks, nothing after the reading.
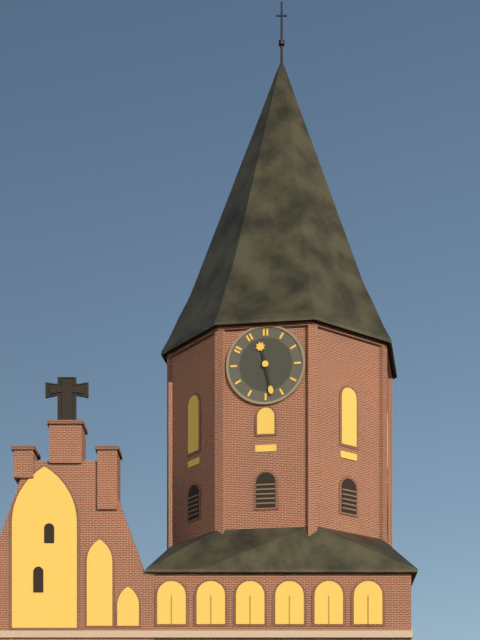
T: 11:28
